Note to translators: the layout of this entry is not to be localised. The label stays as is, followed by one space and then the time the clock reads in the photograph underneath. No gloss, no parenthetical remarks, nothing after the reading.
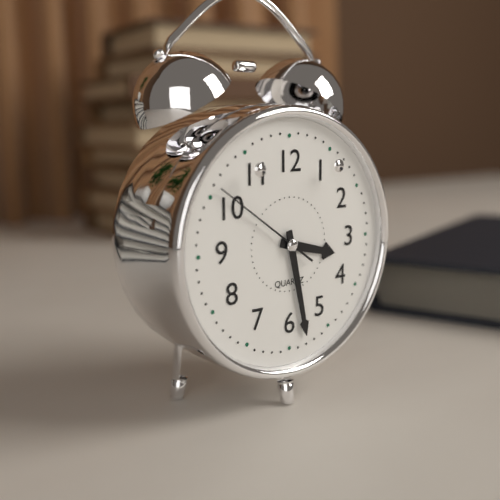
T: 3:28:51
